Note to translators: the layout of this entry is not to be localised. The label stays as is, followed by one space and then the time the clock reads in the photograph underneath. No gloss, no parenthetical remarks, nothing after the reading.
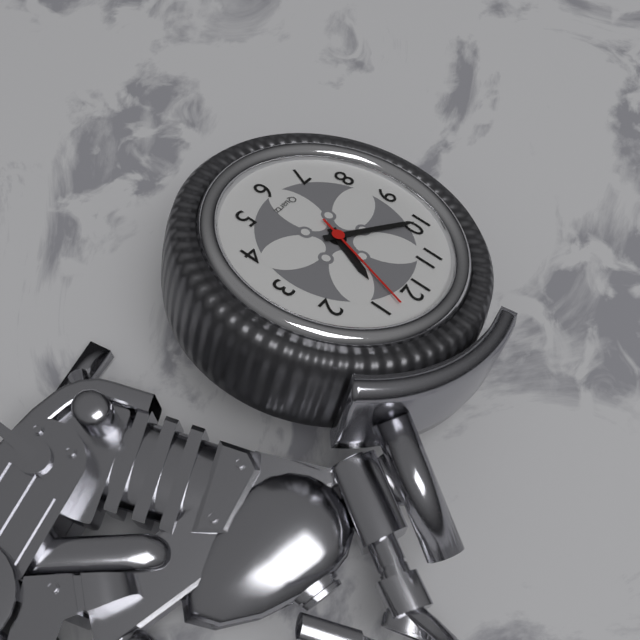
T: 12:50:03
